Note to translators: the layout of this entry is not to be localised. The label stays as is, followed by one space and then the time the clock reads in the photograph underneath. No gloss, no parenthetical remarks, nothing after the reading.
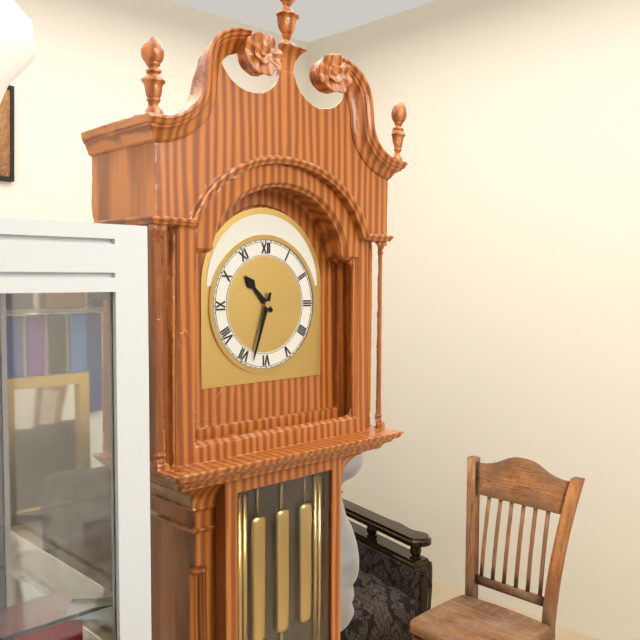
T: 10:33
